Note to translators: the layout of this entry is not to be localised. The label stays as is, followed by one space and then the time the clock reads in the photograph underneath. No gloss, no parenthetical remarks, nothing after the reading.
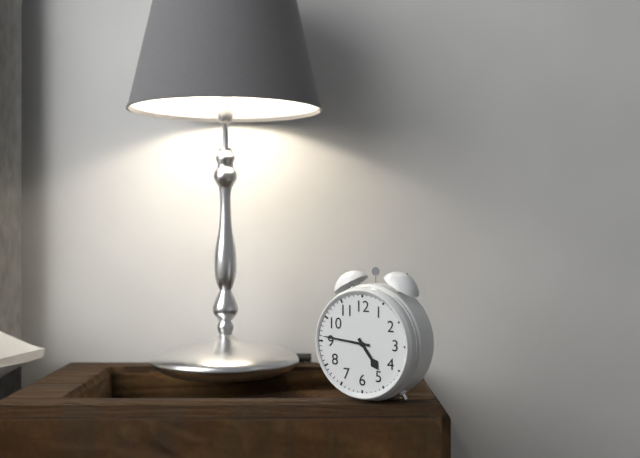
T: 4:46
